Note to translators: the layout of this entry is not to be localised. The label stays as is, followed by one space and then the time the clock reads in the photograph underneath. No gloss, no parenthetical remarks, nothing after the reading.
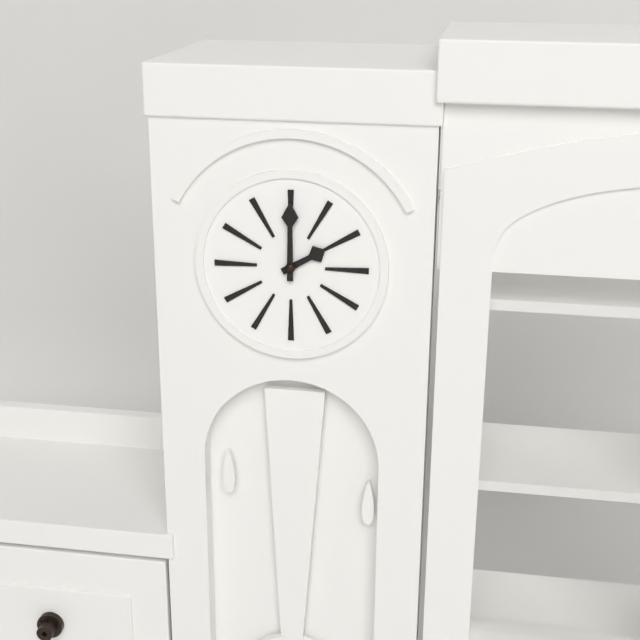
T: 2:00
